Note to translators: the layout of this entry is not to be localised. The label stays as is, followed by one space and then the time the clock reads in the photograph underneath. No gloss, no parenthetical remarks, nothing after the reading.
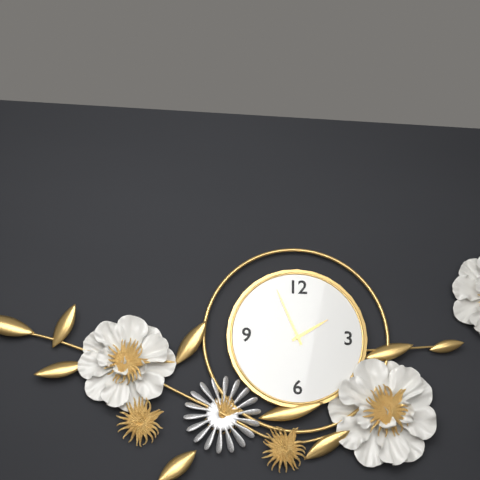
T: 1:56
